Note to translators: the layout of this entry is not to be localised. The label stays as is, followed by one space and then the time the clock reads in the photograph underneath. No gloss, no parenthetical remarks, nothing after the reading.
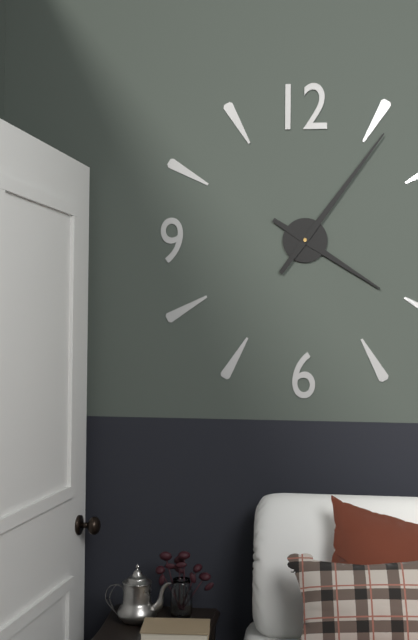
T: 4:06
